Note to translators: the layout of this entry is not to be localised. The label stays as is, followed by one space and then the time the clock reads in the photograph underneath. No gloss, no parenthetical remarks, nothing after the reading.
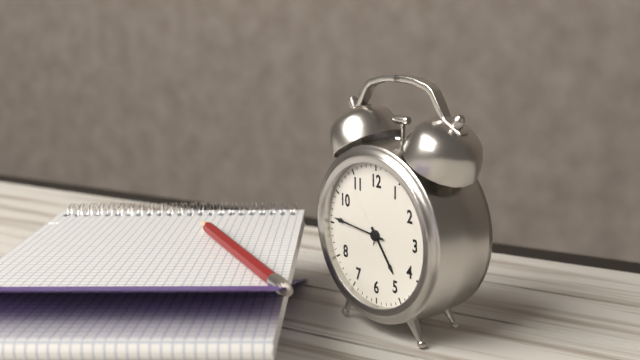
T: 4:46
